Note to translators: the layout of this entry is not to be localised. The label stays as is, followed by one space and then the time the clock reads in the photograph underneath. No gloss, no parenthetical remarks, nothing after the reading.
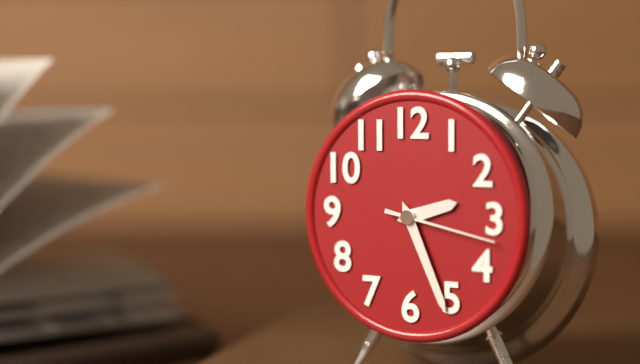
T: 2:26:17
